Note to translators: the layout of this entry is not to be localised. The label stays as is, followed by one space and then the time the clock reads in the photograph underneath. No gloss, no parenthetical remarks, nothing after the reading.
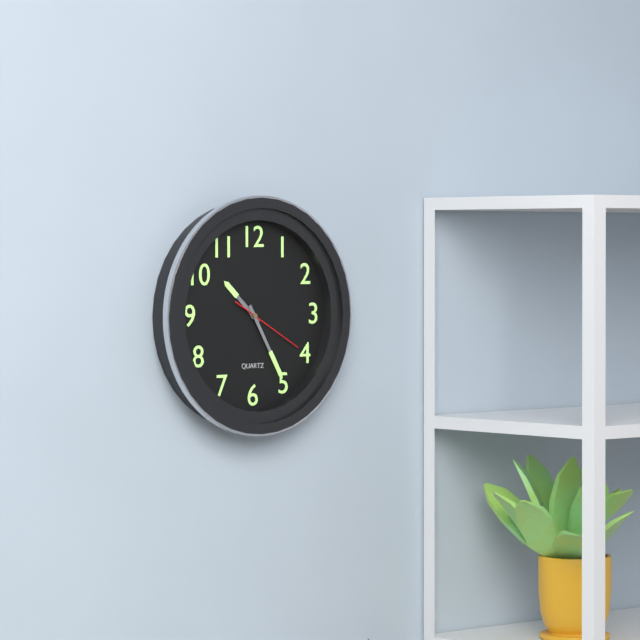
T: 10:25:20
